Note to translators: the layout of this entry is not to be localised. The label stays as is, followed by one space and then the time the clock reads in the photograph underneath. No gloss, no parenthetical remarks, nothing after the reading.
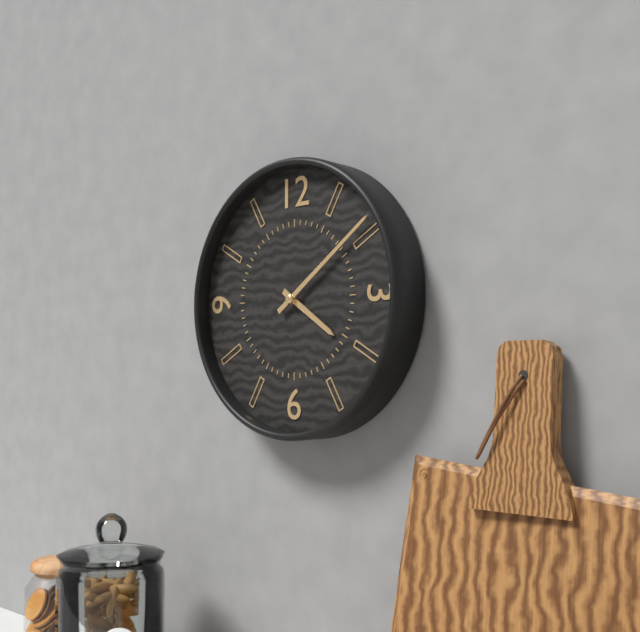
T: 4:09
